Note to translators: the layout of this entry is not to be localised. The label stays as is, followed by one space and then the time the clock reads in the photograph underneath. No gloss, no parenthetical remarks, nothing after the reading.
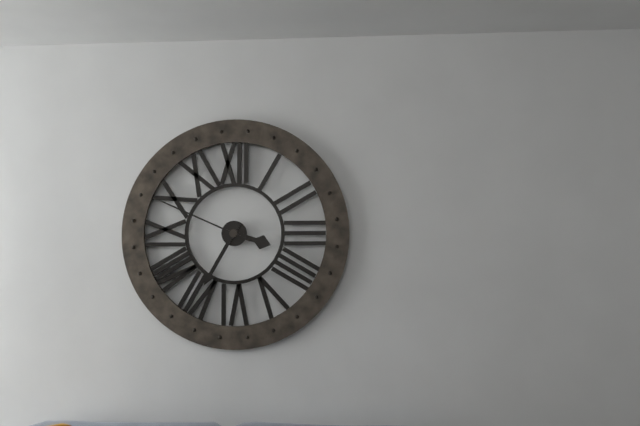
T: 3:35:49
